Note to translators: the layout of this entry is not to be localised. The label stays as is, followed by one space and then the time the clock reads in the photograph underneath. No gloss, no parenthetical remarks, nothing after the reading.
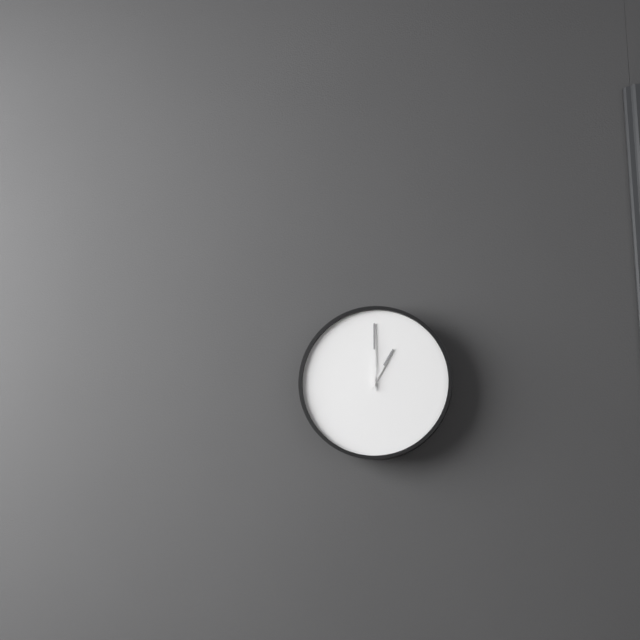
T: 1:00
